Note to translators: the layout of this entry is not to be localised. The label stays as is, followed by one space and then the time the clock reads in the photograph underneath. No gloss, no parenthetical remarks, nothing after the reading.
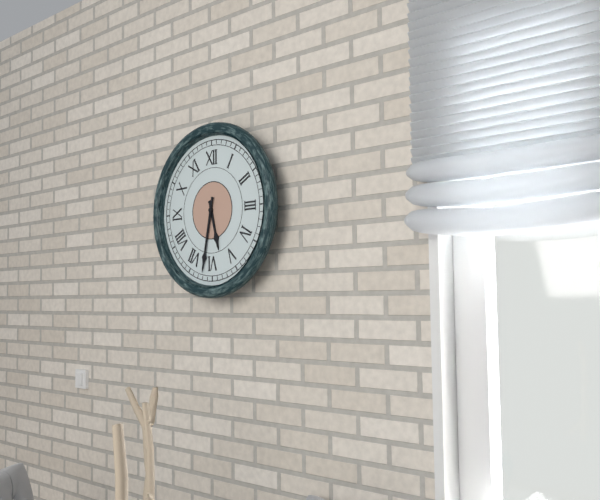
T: 5:32
